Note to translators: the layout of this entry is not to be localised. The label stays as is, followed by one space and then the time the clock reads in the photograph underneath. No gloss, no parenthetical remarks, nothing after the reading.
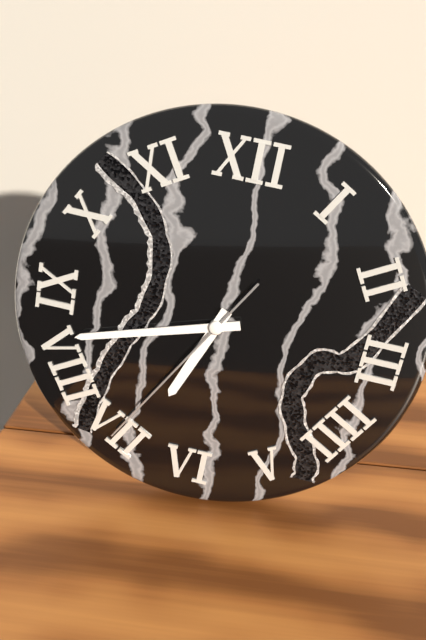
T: 6:42:35
